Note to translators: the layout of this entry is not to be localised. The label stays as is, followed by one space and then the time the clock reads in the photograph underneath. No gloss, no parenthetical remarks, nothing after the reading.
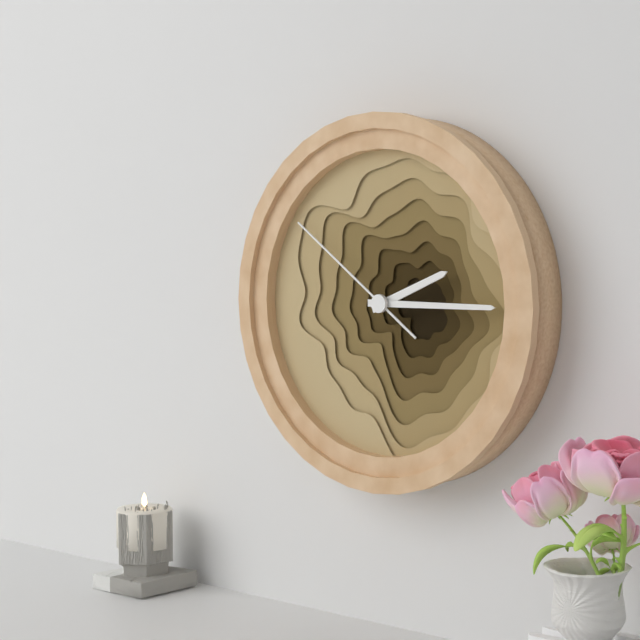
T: 2:15:51
